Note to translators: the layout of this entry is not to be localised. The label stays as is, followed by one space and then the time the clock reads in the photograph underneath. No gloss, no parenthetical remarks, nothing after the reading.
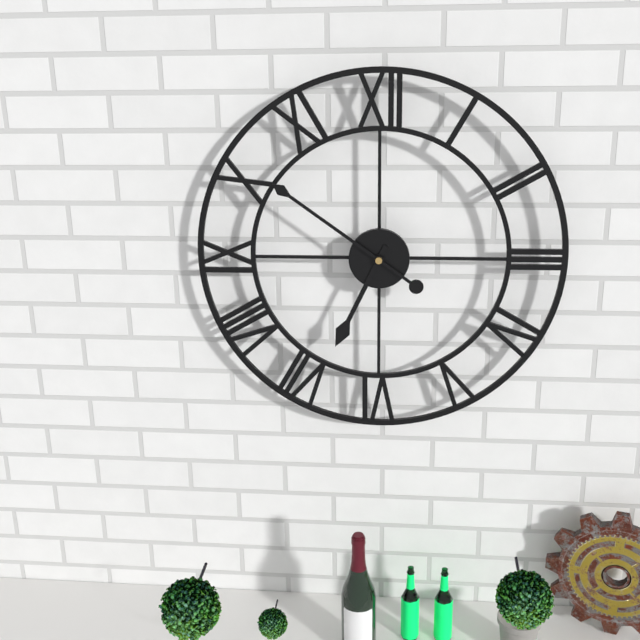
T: 6:51
